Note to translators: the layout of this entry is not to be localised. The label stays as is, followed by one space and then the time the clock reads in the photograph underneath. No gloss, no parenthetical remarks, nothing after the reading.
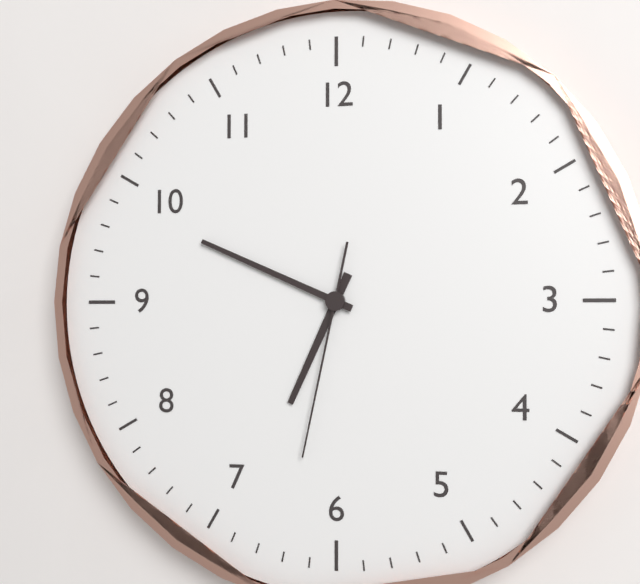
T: 6:49:32
